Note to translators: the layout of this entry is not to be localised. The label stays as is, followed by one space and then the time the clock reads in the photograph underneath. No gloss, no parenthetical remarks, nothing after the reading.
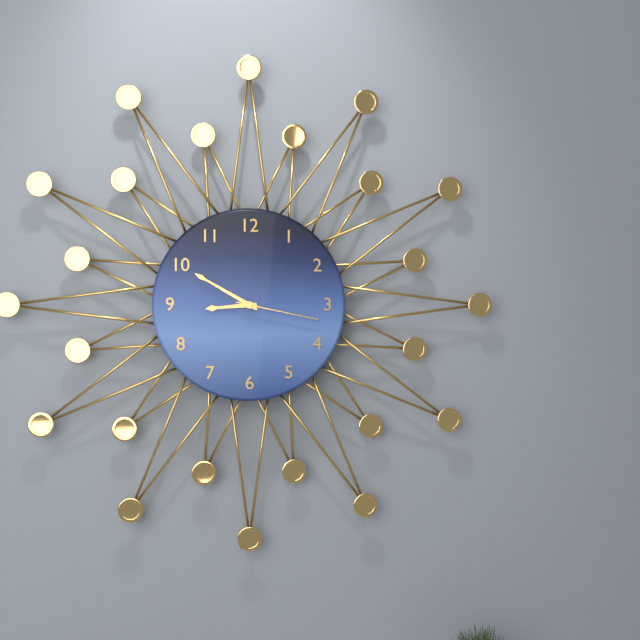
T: 8:50:17
